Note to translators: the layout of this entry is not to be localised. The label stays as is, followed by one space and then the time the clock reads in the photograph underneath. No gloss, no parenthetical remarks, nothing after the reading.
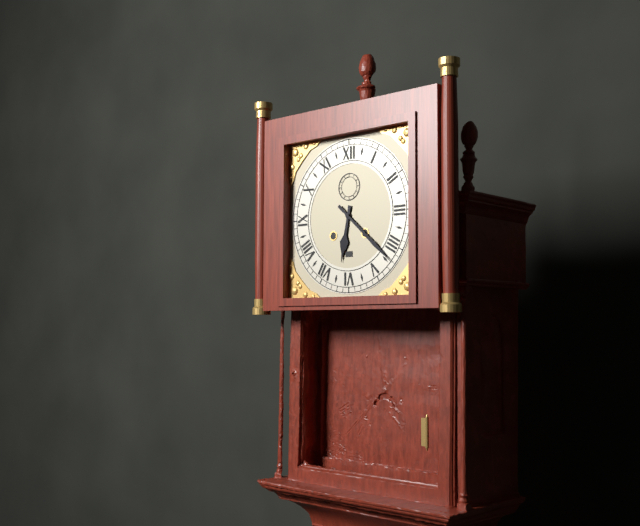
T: 6:22
